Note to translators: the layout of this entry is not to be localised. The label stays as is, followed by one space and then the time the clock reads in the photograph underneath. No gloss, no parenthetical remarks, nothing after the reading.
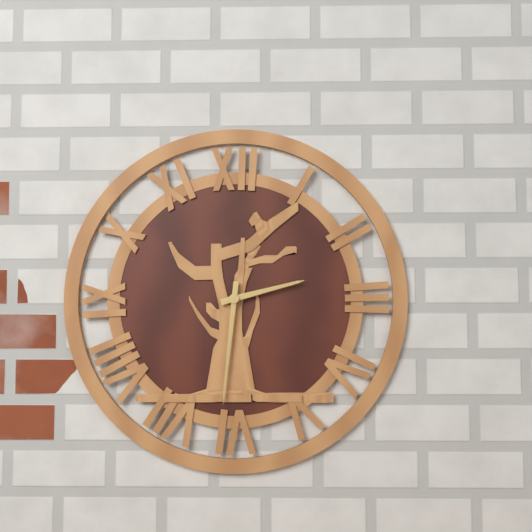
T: 2:31
